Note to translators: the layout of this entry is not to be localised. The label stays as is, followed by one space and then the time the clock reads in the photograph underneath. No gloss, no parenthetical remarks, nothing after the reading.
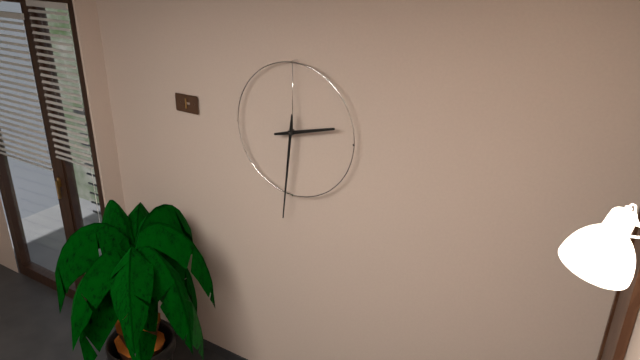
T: 2:31
